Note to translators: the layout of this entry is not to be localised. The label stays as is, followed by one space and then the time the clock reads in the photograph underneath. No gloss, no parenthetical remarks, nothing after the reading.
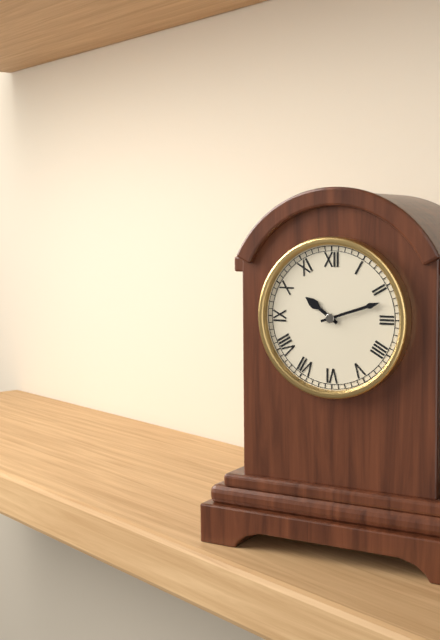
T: 10:12
